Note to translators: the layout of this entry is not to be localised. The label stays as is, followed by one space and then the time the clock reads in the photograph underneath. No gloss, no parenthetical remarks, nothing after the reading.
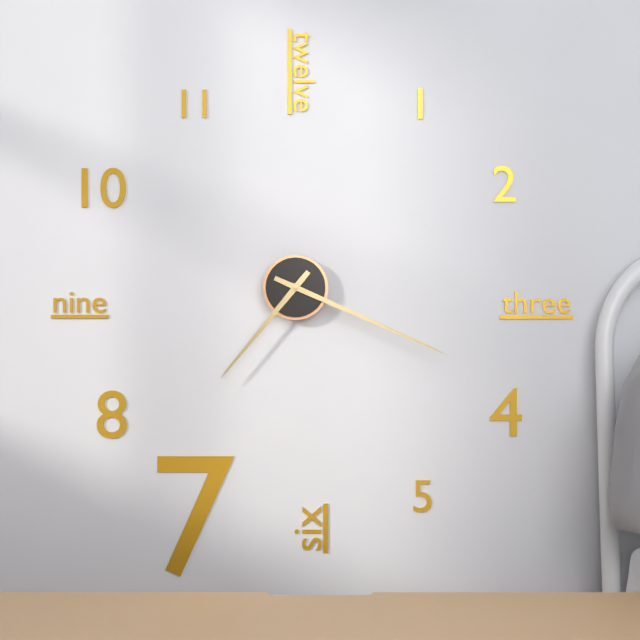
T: 7:19
